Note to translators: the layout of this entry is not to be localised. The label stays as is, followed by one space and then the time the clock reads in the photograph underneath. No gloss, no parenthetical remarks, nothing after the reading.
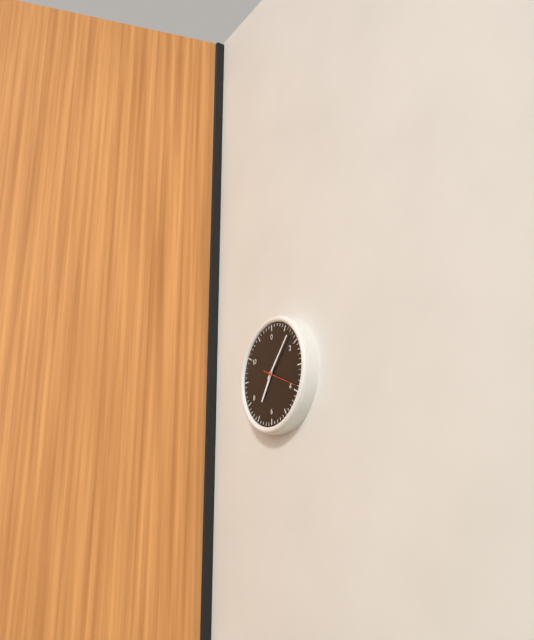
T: 7:07
